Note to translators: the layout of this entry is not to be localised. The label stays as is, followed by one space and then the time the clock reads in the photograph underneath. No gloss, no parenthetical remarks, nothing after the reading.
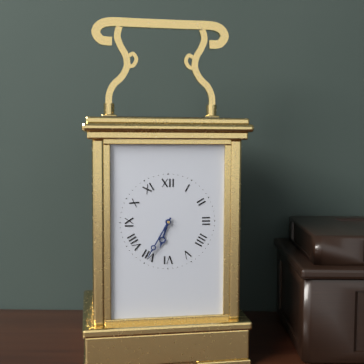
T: 6:35
